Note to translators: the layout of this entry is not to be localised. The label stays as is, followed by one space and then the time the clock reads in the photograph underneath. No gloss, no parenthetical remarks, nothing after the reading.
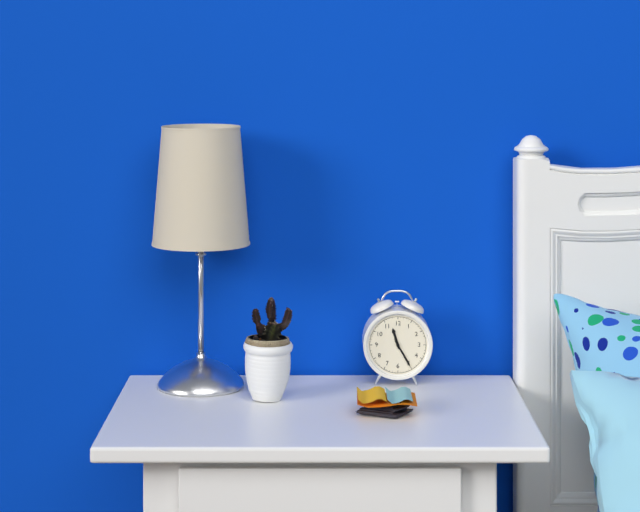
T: 11:25
